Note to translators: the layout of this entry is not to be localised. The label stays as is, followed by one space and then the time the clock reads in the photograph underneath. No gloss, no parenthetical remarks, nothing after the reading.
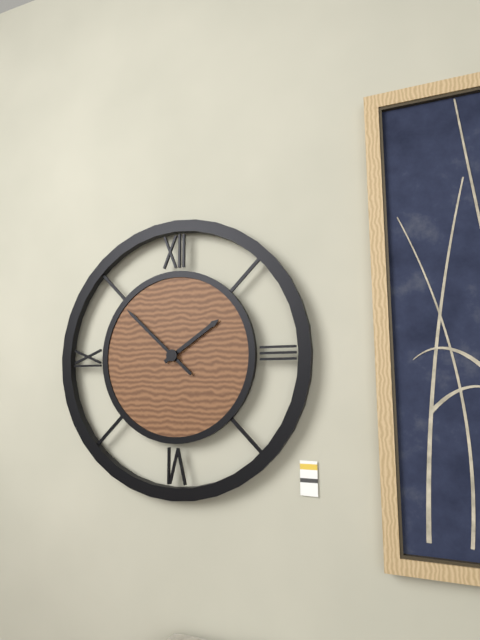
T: 1:52
